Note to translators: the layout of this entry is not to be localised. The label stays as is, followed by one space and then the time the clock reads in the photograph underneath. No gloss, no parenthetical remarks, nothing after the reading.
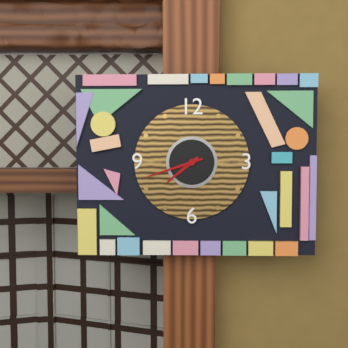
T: 7:42
